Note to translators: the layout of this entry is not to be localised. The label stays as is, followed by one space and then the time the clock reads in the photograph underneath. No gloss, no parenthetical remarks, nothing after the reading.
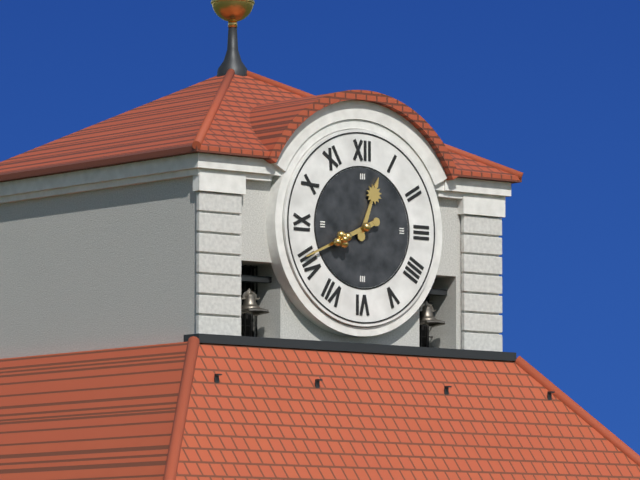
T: 12:41
